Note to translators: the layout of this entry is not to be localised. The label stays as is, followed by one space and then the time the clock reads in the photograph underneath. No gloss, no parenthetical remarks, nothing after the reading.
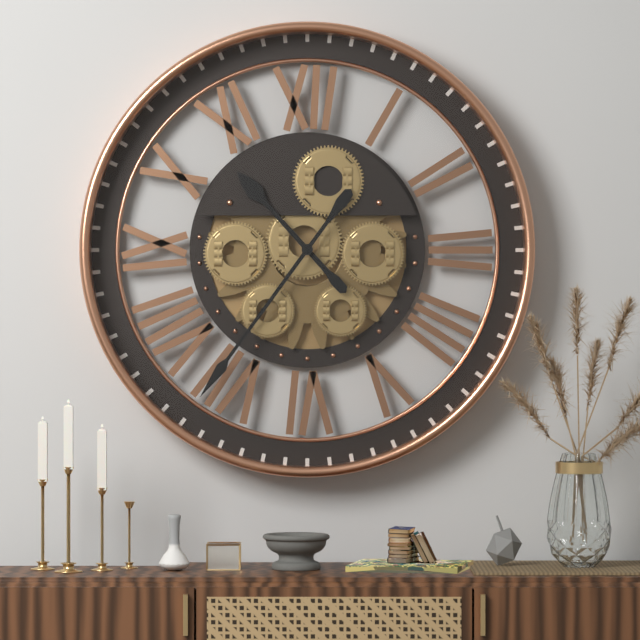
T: 10:36
